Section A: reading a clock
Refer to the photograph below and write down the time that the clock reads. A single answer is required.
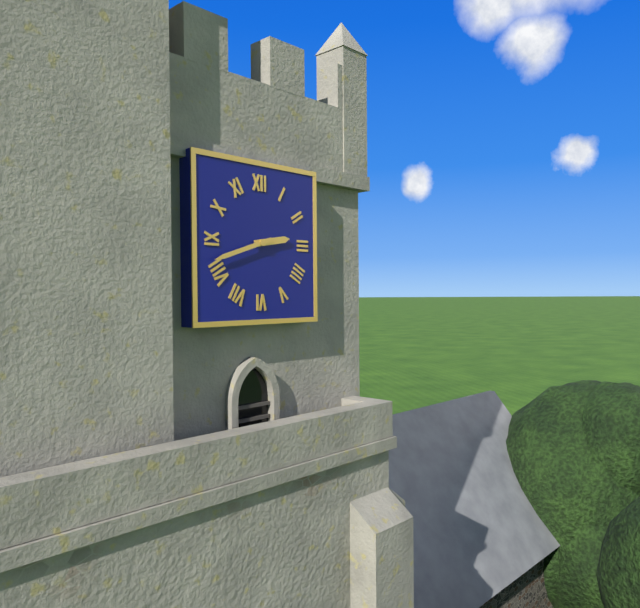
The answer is 2:42
